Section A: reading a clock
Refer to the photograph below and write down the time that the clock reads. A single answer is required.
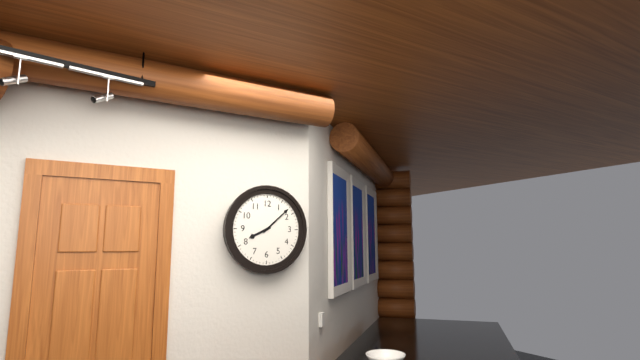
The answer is 8:08
